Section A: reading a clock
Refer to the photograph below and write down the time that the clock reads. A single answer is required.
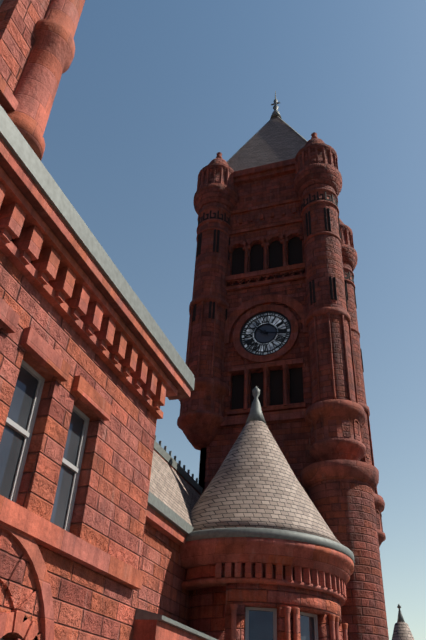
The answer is 10:17
